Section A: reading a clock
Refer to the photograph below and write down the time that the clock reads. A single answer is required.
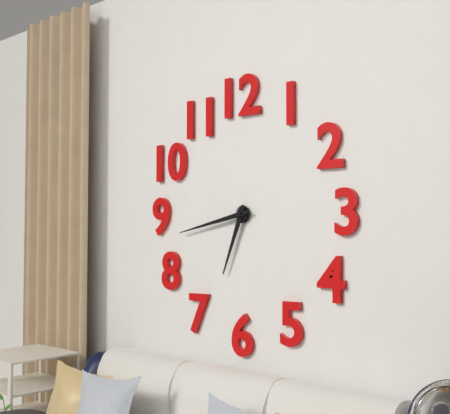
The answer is 6:43
